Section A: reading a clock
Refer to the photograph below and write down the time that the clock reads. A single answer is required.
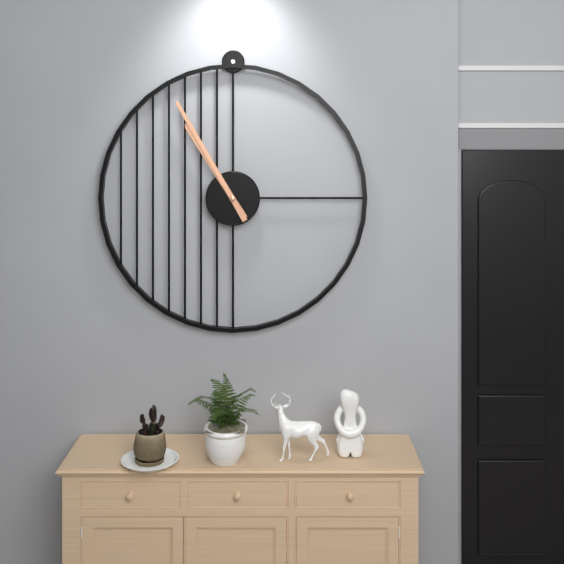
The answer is 10:55
